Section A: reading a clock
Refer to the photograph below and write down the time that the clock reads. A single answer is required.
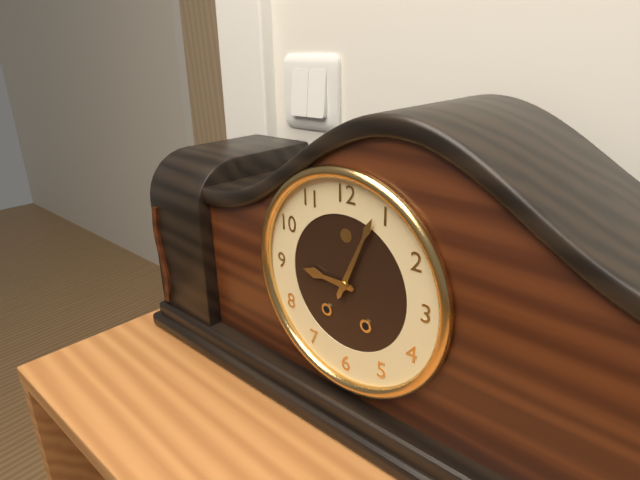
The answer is 9:04
